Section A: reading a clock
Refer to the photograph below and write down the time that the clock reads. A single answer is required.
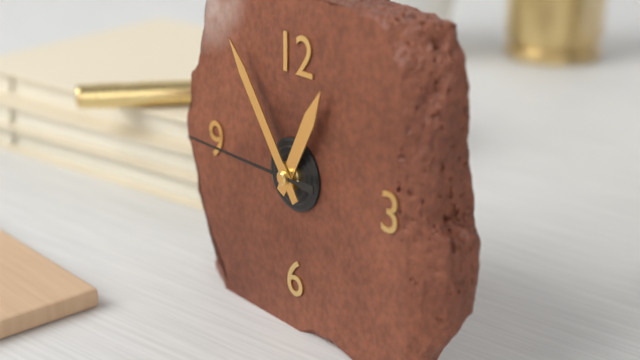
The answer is 12:54:45
